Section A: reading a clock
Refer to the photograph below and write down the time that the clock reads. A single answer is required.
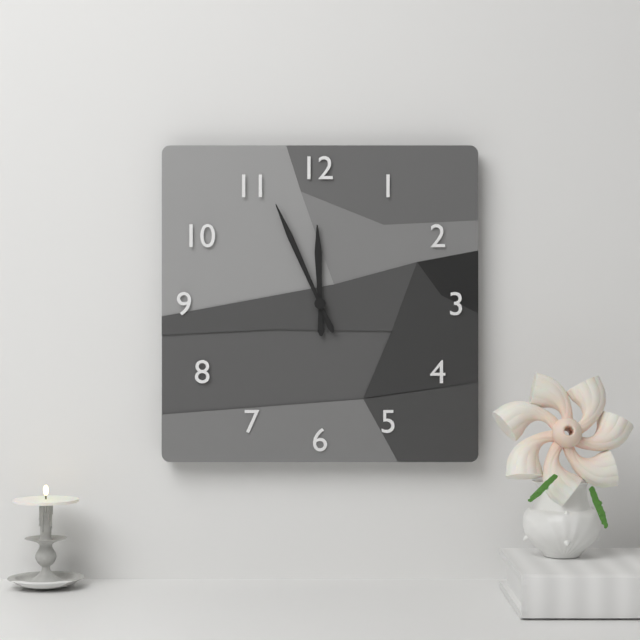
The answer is 11:56
